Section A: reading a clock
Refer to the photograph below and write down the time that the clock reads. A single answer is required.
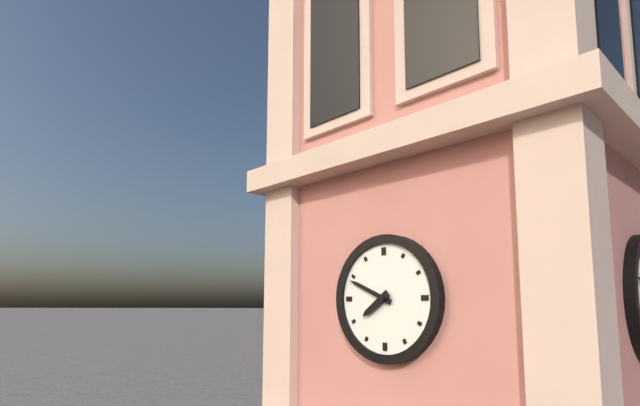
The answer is 7:49
